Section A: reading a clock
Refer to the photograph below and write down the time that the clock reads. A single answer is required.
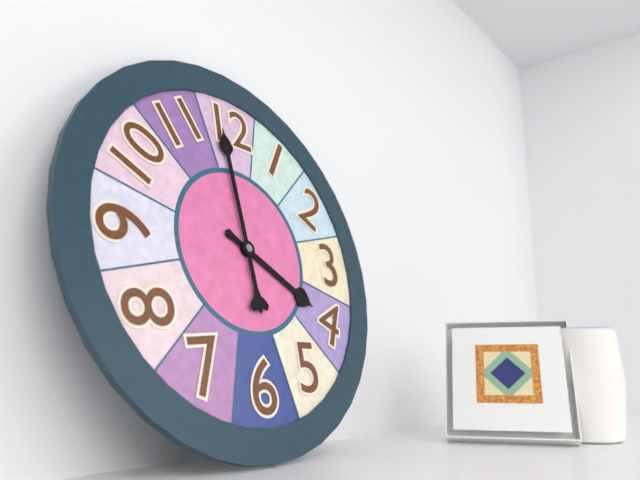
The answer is 3:59
